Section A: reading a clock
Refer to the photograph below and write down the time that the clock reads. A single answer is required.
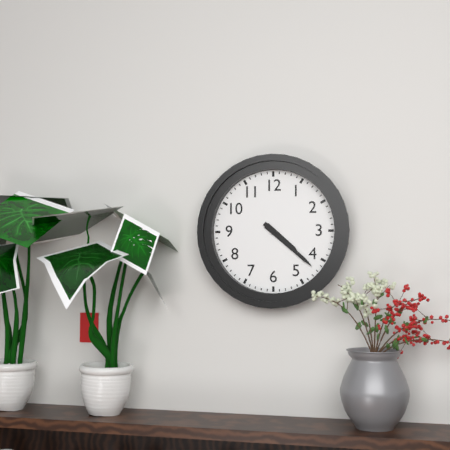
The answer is 4:22
